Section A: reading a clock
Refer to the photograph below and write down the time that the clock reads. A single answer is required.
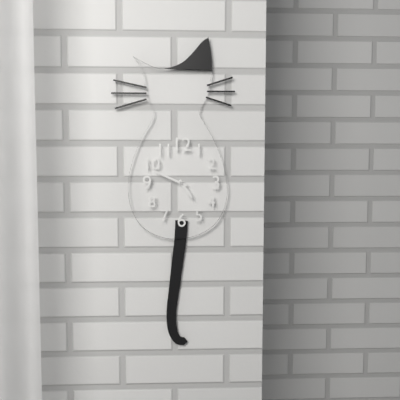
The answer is 4:49
